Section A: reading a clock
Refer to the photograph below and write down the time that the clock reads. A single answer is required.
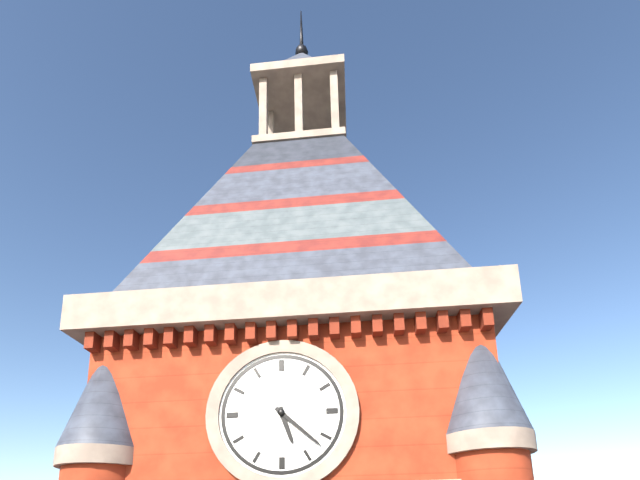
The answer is 5:22
